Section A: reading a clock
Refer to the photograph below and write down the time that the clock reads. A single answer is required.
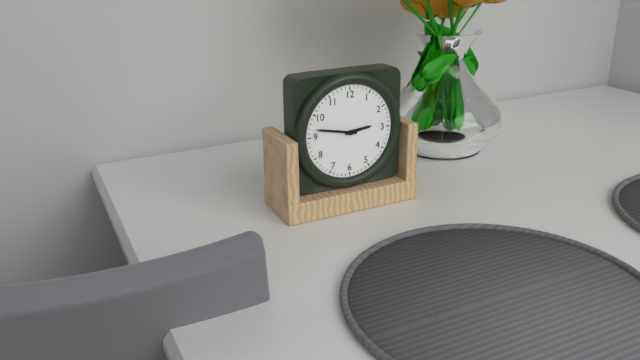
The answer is 2:47
